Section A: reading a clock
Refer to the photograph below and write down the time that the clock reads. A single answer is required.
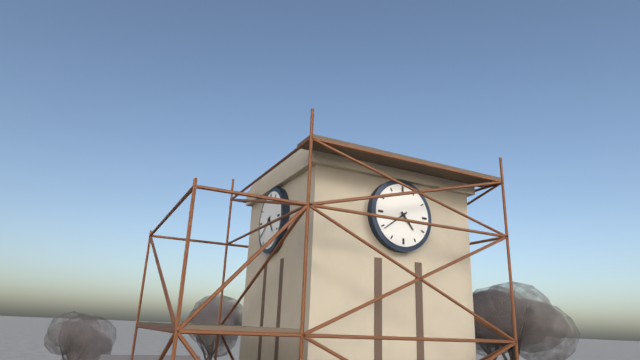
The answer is 4:39
